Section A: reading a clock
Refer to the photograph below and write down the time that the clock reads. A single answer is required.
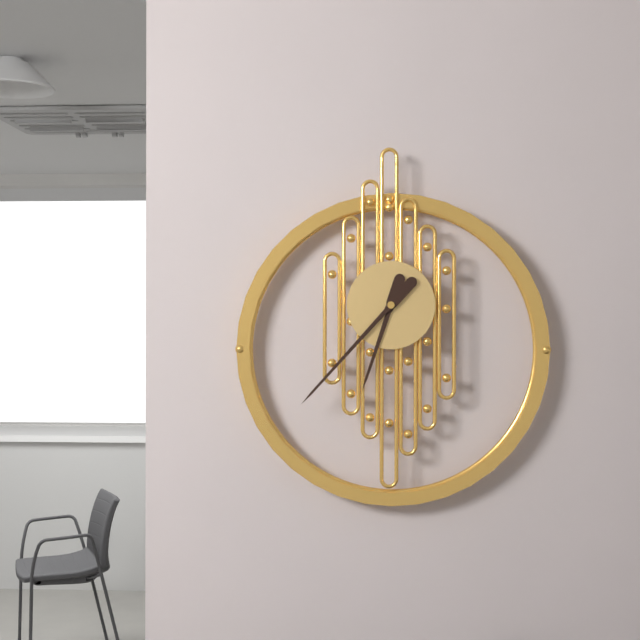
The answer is 6:37
